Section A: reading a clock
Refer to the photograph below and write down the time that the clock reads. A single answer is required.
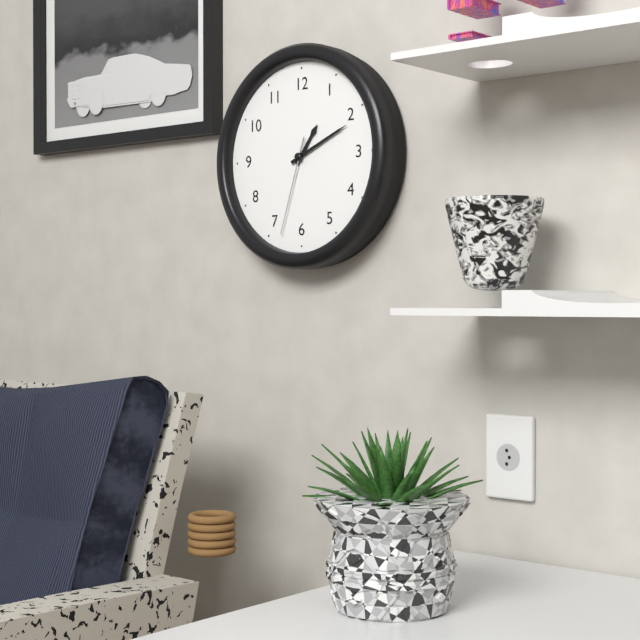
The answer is 1:11:33
